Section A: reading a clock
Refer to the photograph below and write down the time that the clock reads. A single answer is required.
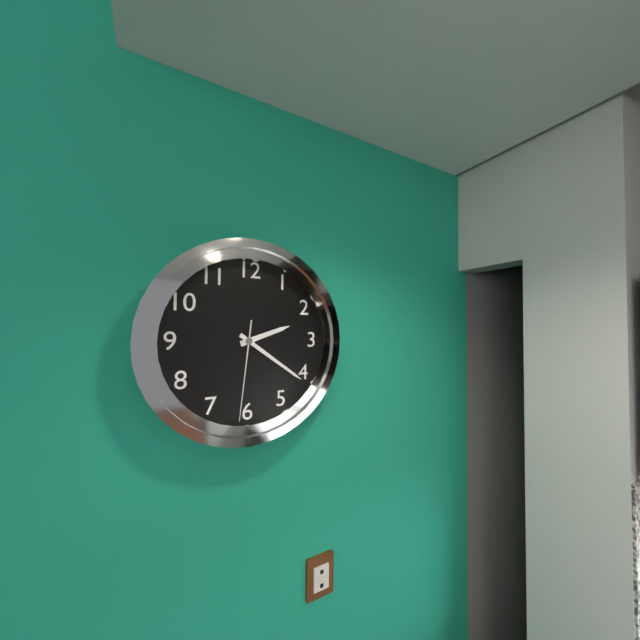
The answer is 2:21:31
